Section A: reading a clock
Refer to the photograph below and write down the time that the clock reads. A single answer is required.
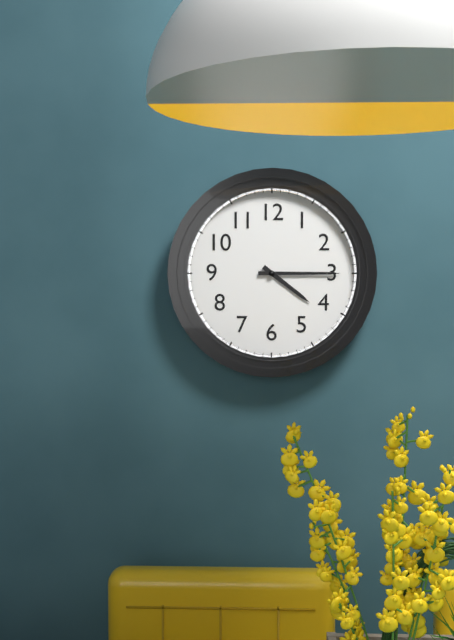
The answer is 4:15
